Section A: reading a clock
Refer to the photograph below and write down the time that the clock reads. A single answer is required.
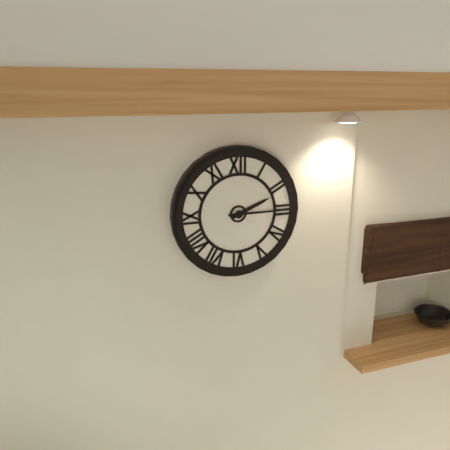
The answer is 2:15
